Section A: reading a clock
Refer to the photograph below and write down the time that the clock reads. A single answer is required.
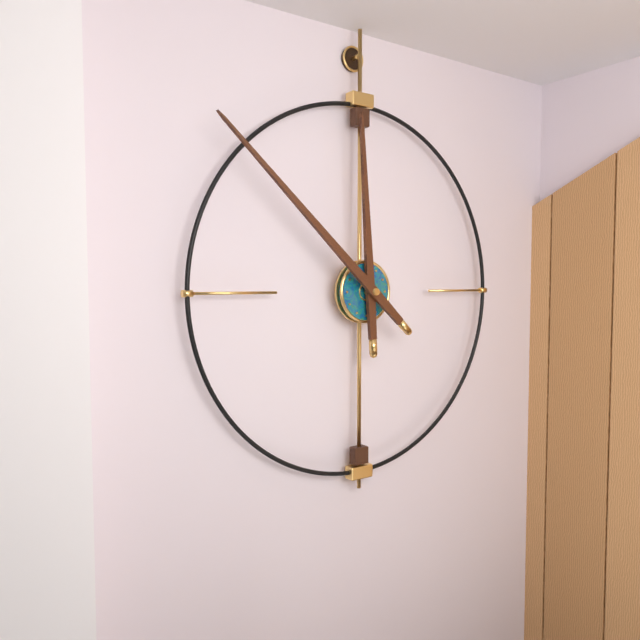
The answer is 11:52
